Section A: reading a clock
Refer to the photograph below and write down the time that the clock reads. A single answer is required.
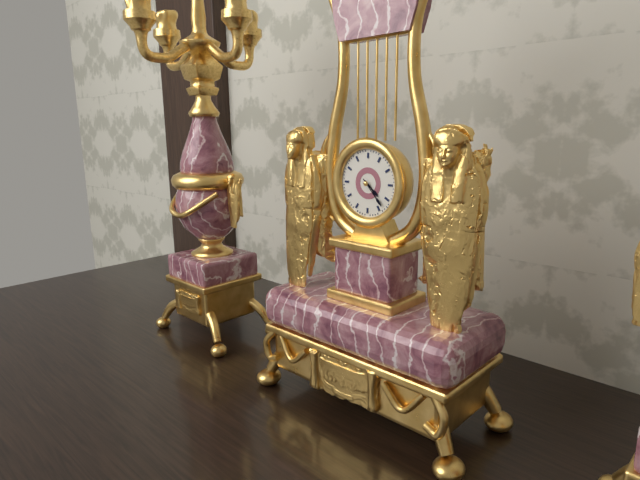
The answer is 4:23
